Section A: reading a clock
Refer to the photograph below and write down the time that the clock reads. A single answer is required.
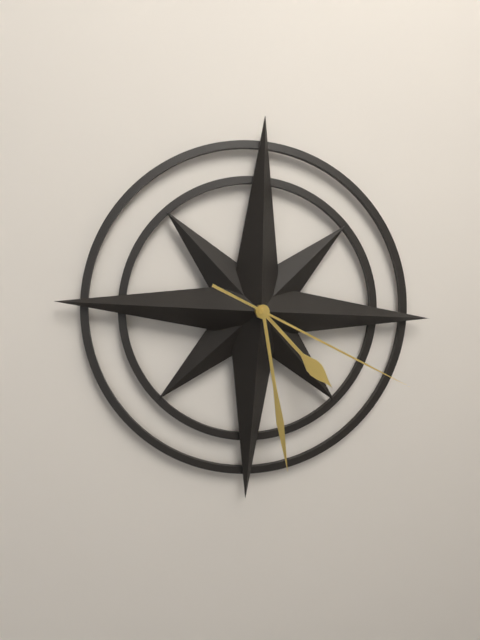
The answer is 4:28:19
